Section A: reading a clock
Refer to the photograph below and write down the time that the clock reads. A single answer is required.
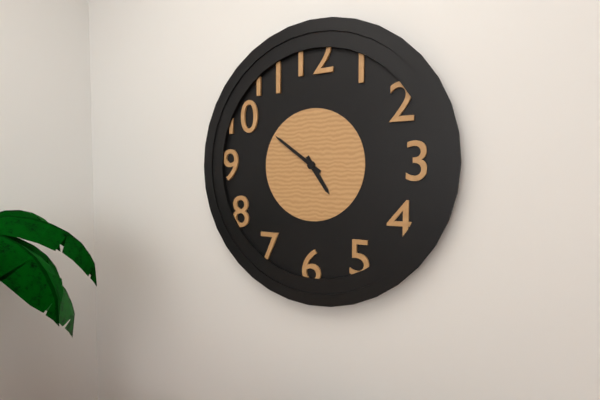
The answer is 4:51
